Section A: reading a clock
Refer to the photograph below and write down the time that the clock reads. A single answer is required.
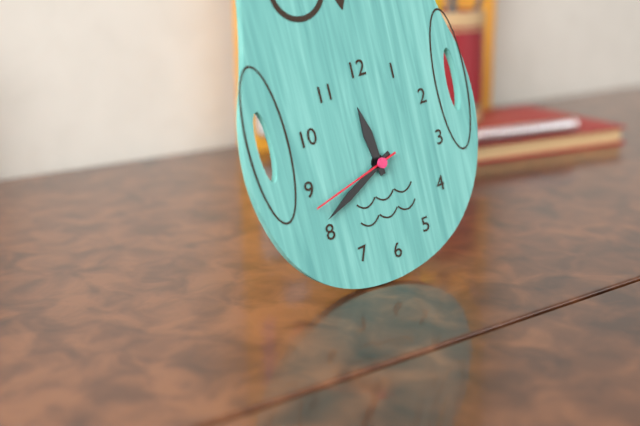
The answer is 11:41:43
